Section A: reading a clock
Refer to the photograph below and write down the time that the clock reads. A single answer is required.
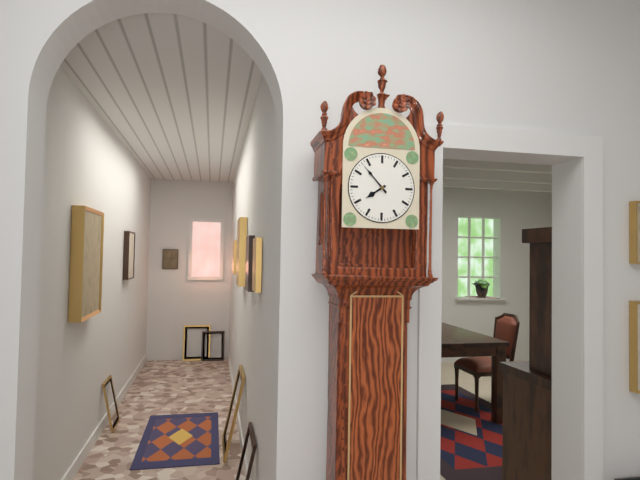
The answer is 7:53
